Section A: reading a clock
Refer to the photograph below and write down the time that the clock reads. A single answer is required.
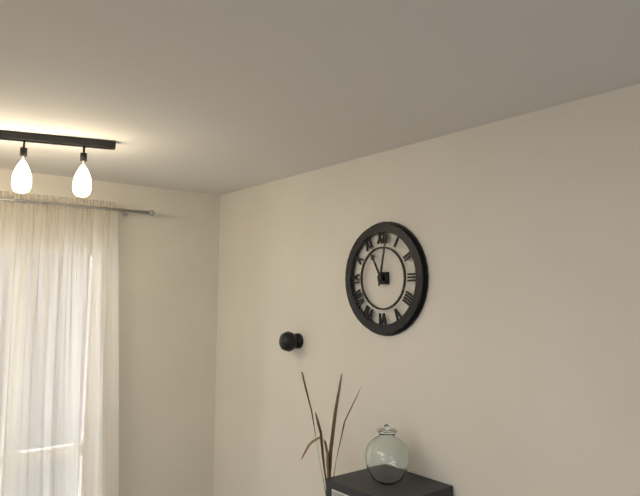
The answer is 11:02
